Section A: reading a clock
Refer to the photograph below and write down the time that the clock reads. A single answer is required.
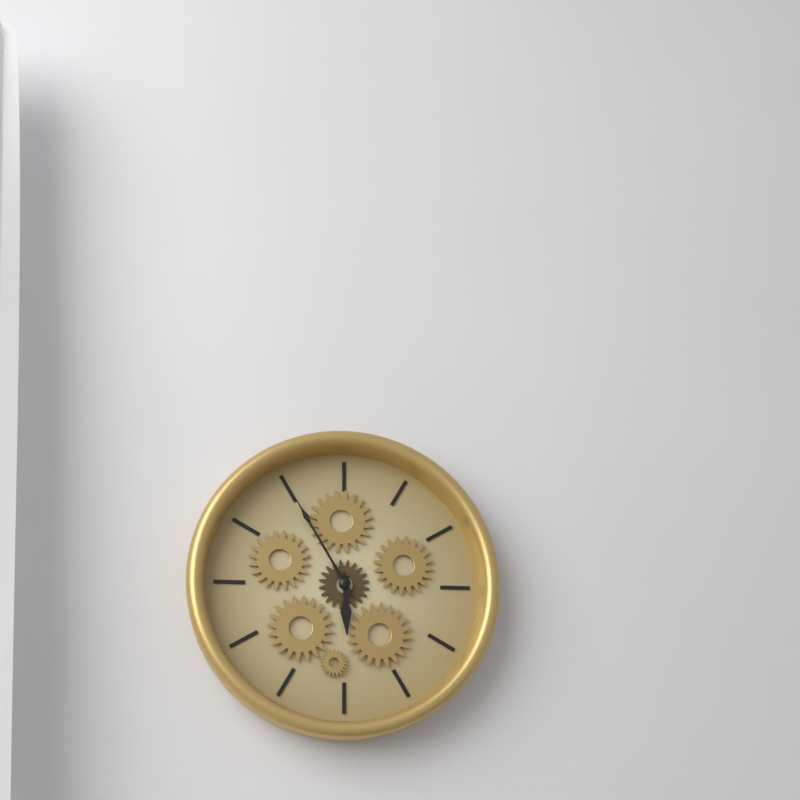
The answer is 5:55
